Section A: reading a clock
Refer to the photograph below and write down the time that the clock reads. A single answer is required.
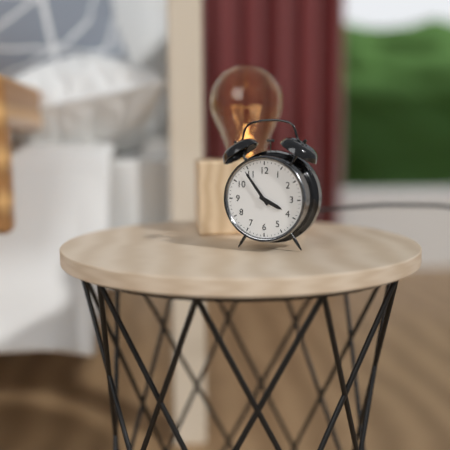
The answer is 3:54
